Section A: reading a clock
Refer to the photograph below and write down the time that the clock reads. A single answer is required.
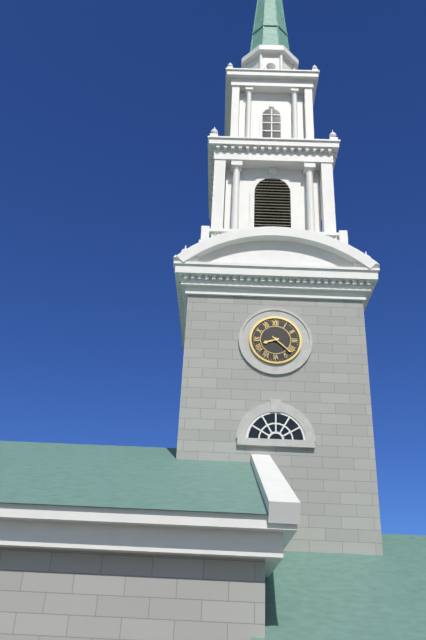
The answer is 8:22
